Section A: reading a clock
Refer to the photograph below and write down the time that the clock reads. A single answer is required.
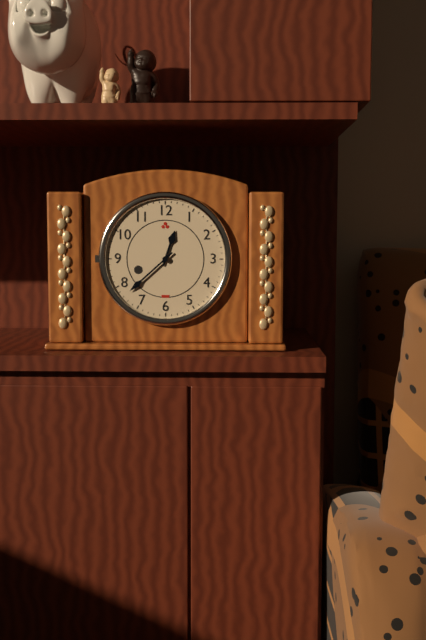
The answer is 12:38
